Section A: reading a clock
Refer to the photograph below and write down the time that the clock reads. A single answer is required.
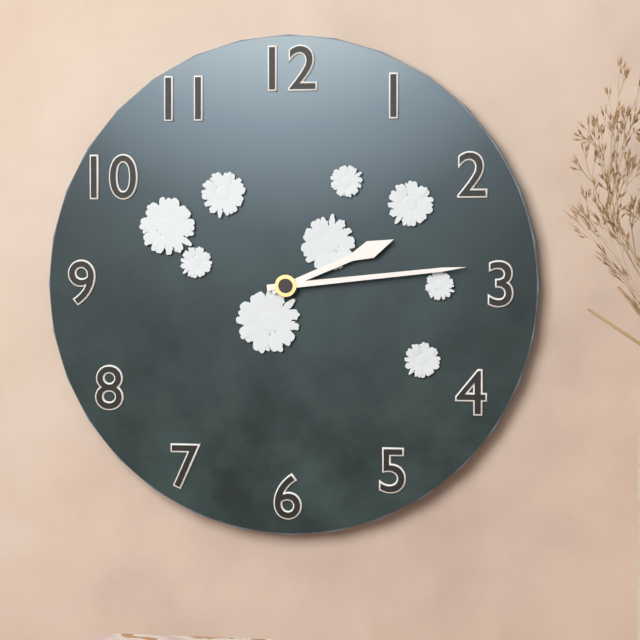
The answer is 2:14
